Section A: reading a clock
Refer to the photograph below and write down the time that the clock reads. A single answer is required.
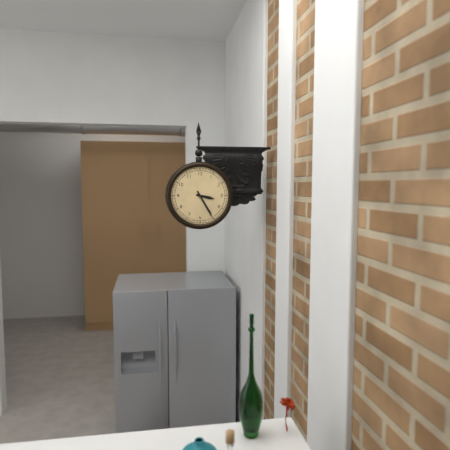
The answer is 3:25
